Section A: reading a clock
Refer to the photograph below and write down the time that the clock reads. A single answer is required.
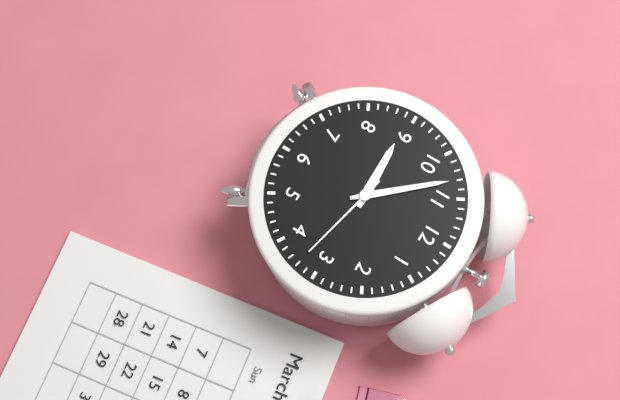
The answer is 8:53:17
